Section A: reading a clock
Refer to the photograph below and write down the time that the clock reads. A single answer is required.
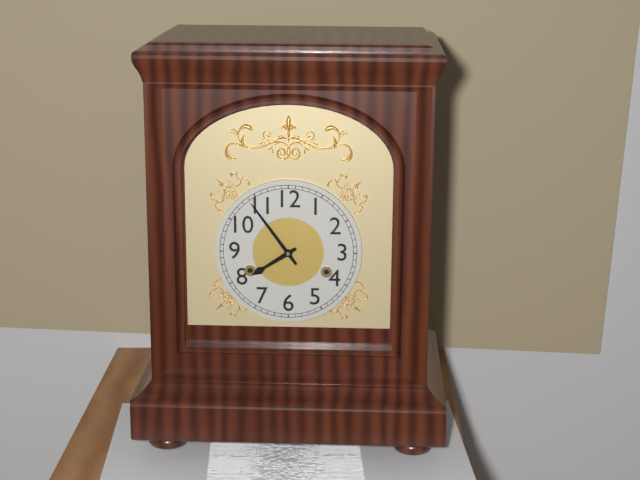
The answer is 7:54
